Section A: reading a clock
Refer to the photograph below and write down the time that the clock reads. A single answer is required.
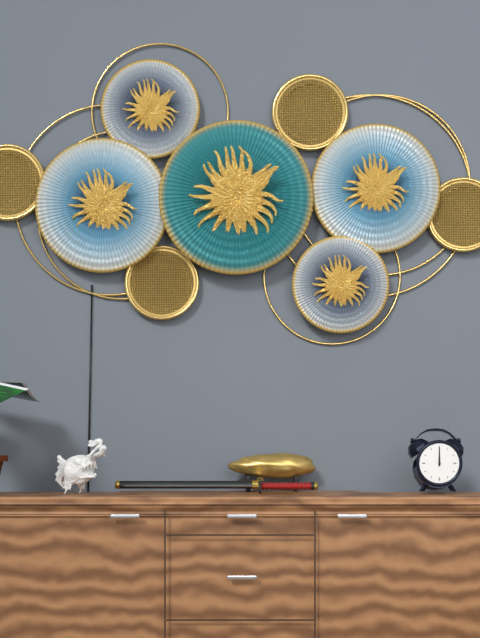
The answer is 12:00
